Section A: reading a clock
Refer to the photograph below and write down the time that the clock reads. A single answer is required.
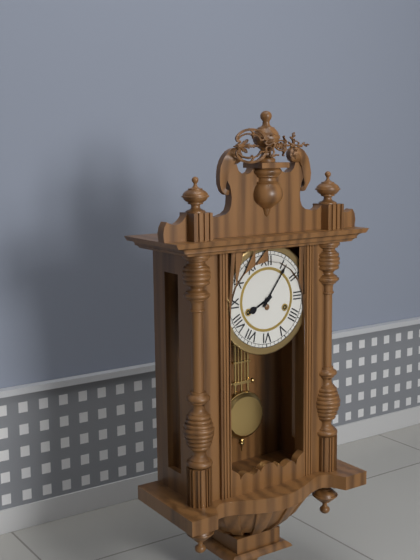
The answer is 8:06
